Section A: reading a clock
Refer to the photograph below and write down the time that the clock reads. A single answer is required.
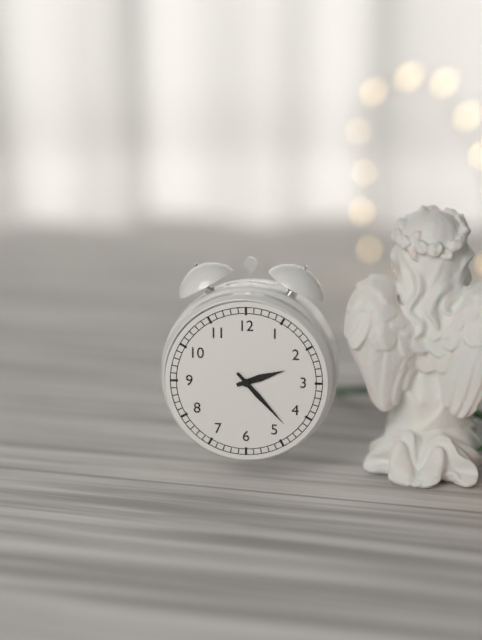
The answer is 2:23
